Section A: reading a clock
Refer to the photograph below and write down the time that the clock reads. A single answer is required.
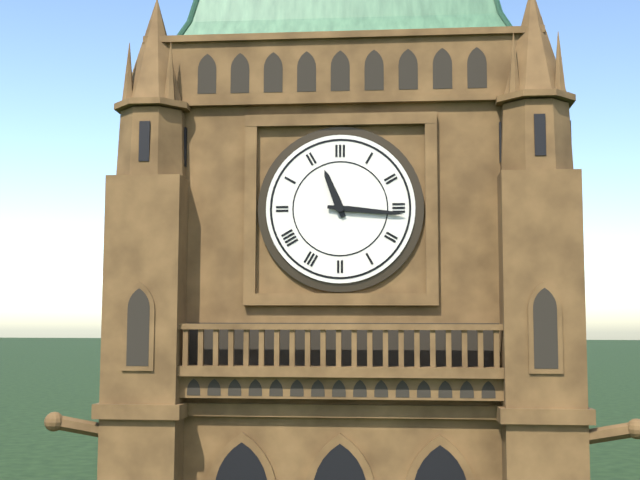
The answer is 11:16
